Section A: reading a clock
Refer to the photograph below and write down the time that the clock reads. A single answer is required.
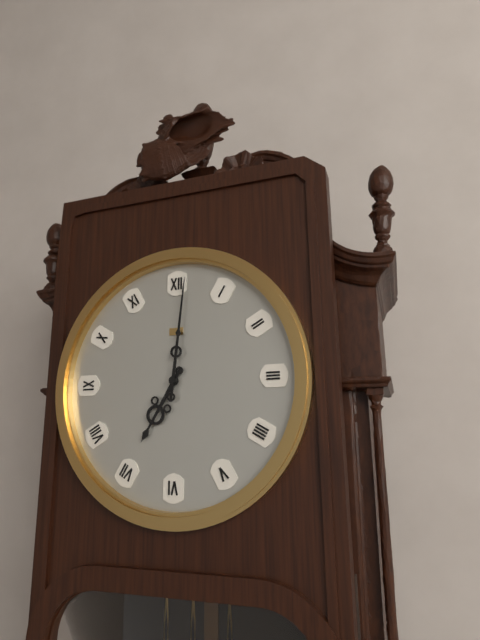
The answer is 7:01
